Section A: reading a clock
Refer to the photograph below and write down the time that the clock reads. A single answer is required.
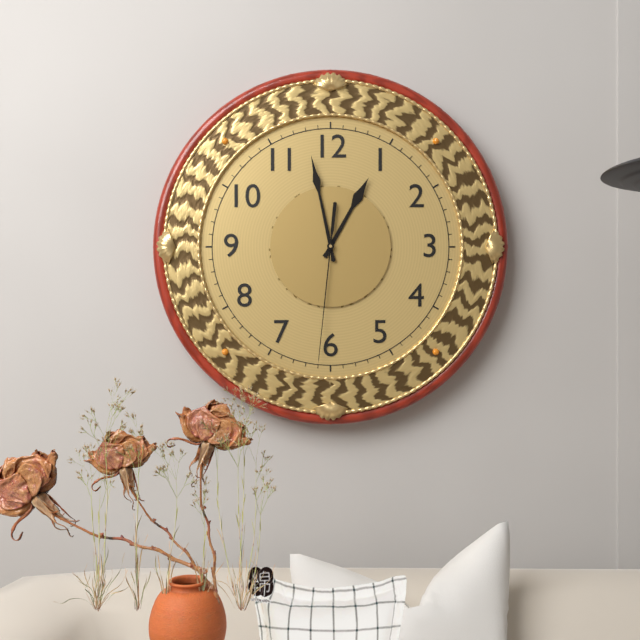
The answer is 12:58:31
